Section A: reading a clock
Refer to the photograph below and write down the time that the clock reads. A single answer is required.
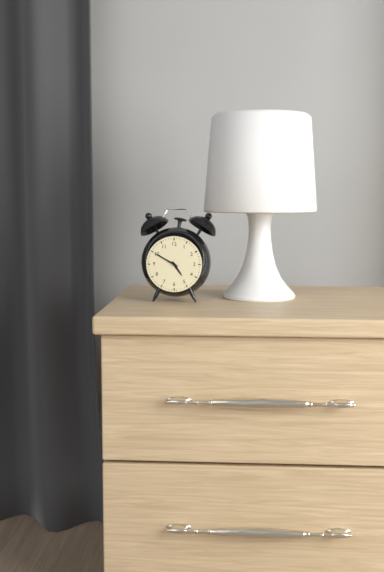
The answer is 4:50
